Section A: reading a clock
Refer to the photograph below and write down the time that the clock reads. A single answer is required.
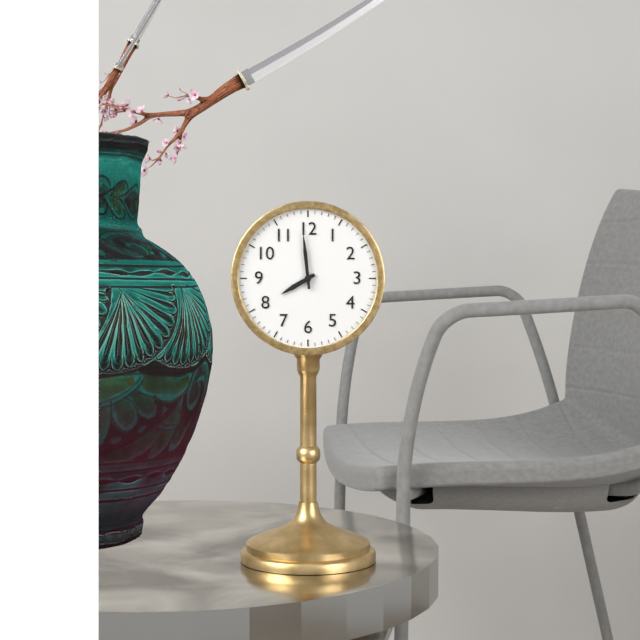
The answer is 7:59
